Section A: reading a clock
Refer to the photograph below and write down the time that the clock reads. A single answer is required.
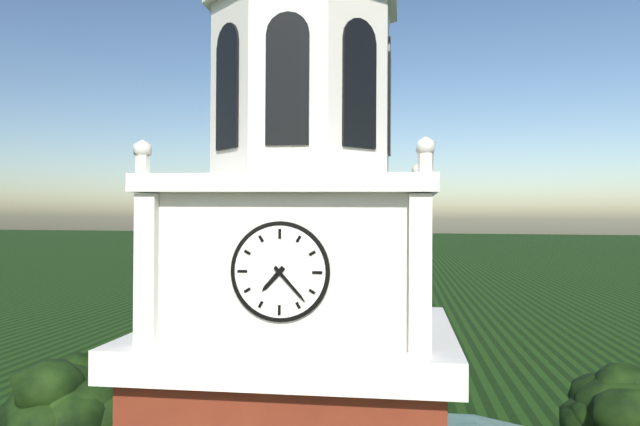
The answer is 7:23
